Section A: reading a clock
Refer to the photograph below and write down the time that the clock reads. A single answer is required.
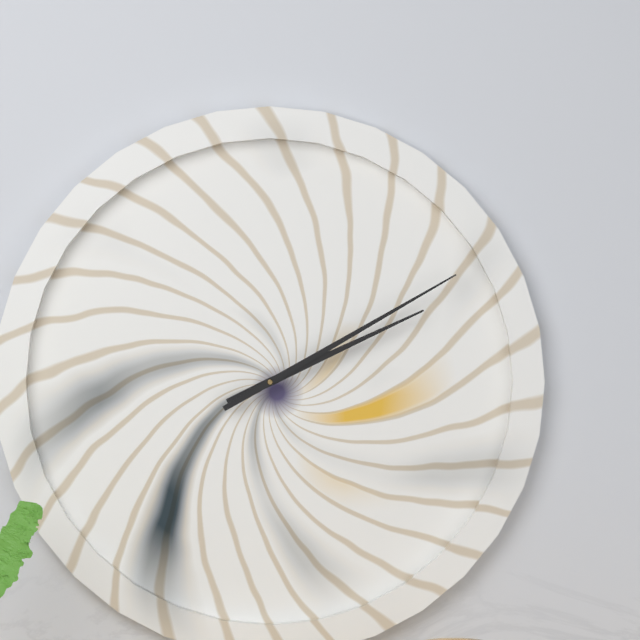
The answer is 2:10
